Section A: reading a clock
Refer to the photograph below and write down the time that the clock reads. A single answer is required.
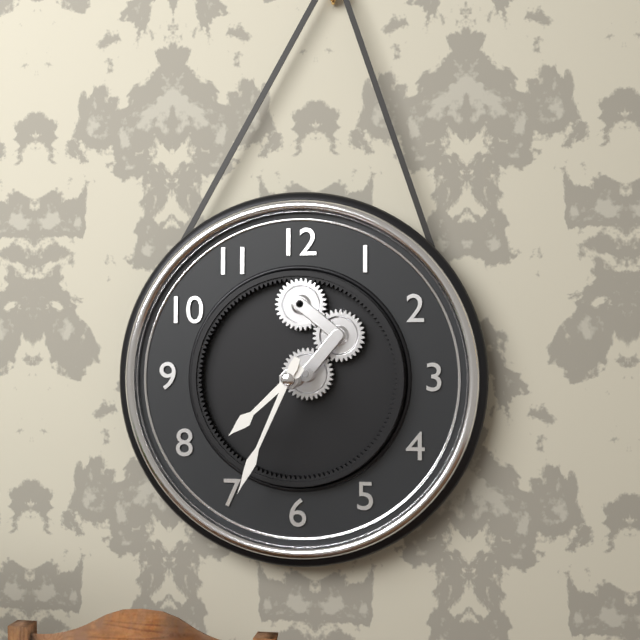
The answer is 7:34
